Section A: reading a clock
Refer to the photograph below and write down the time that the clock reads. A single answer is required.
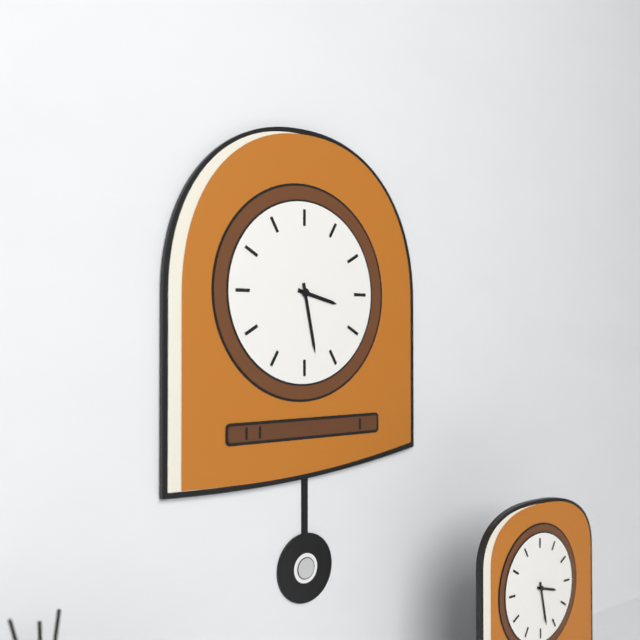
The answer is 3:28
